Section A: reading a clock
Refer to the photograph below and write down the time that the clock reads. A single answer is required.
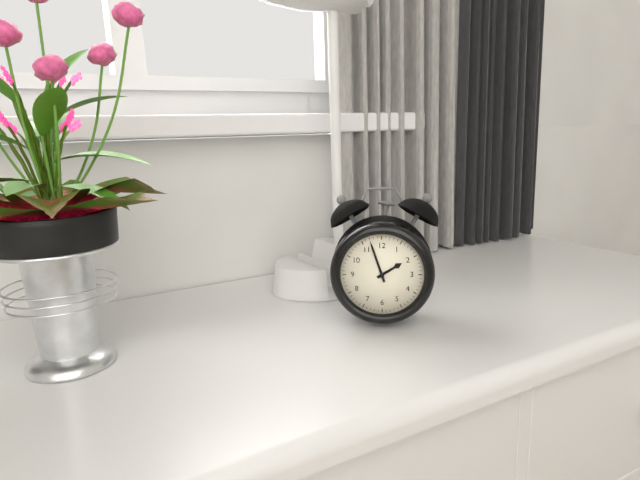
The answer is 1:57
